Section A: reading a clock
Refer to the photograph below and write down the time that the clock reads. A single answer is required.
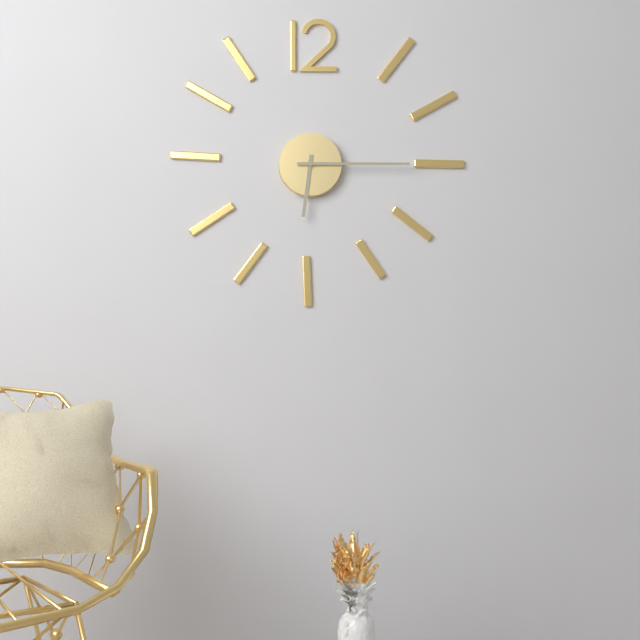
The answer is 6:15
